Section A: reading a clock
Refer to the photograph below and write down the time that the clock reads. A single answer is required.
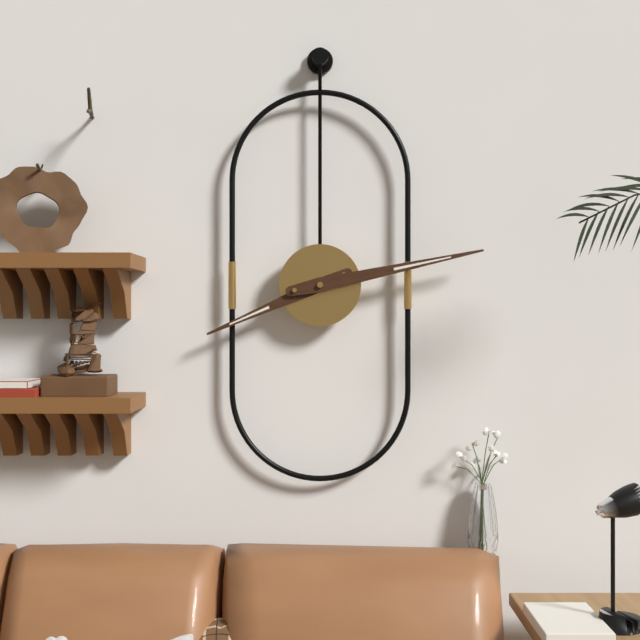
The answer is 8:13
